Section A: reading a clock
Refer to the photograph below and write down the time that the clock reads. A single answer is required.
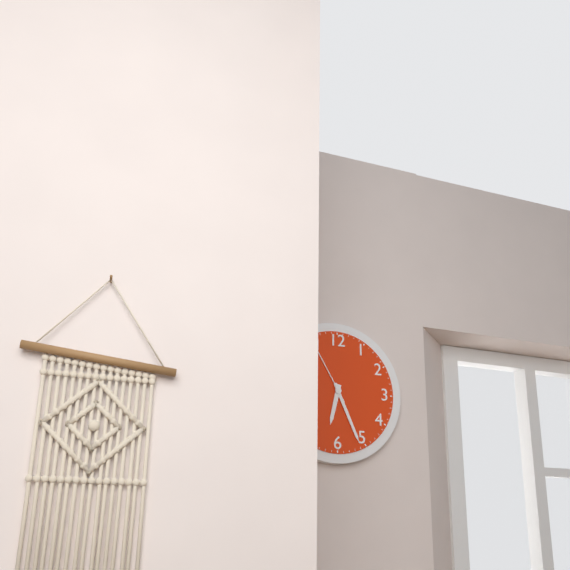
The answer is 6:26:55
